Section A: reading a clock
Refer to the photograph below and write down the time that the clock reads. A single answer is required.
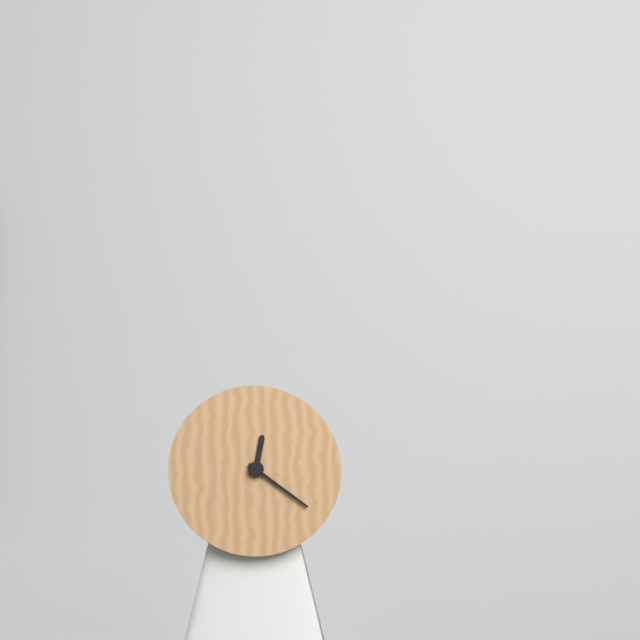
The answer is 12:21
